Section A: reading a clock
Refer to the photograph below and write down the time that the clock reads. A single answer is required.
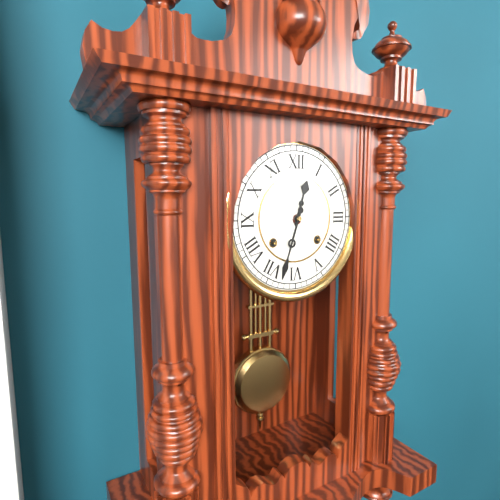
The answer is 12:33
